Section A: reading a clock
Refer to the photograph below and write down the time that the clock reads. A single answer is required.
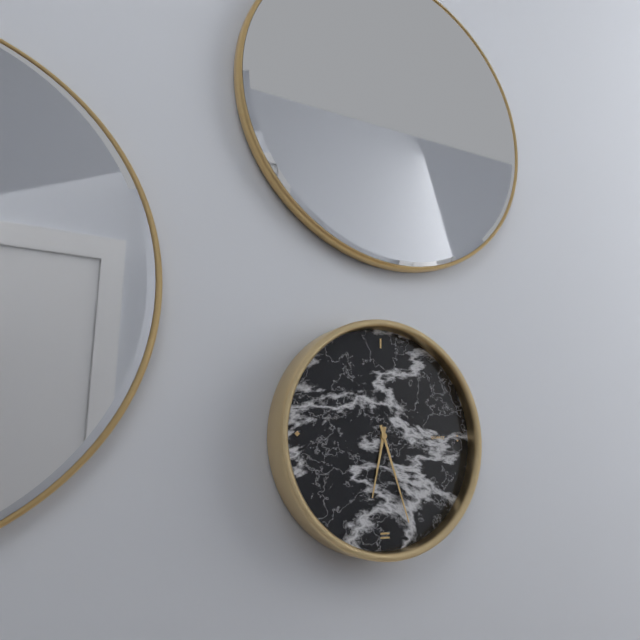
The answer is 6:27
